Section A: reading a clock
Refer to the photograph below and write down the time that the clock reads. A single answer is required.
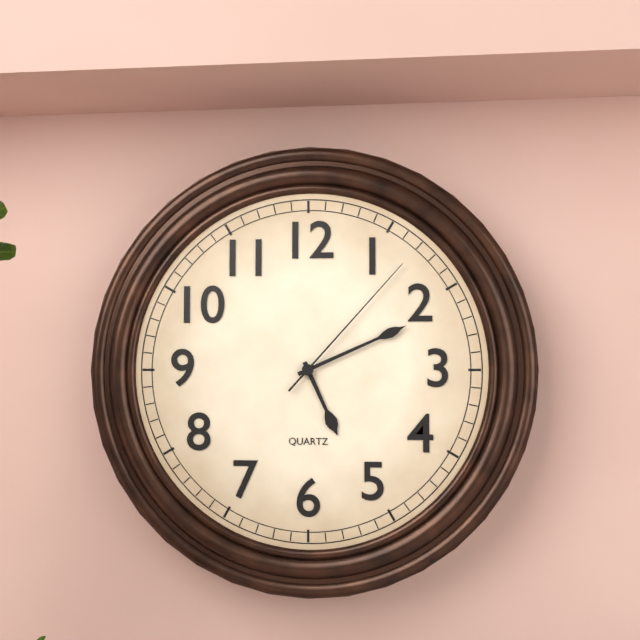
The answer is 5:11:07
